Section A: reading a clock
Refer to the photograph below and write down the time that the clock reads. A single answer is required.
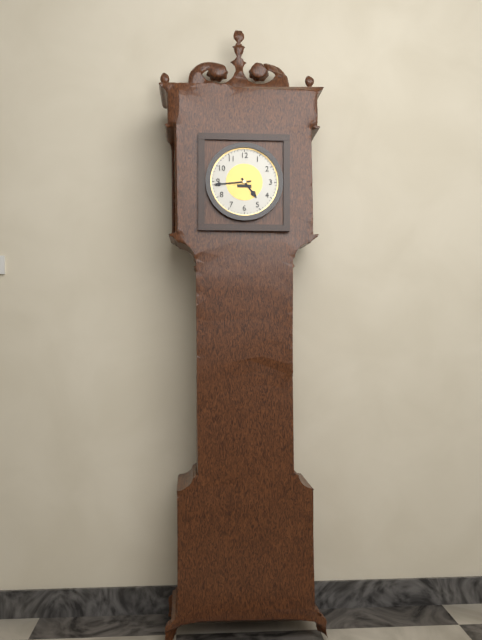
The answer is 4:44
